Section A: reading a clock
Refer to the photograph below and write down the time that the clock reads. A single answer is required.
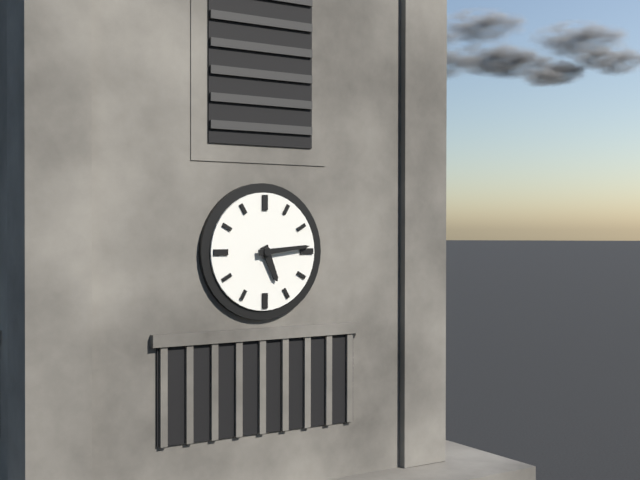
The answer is 5:14
